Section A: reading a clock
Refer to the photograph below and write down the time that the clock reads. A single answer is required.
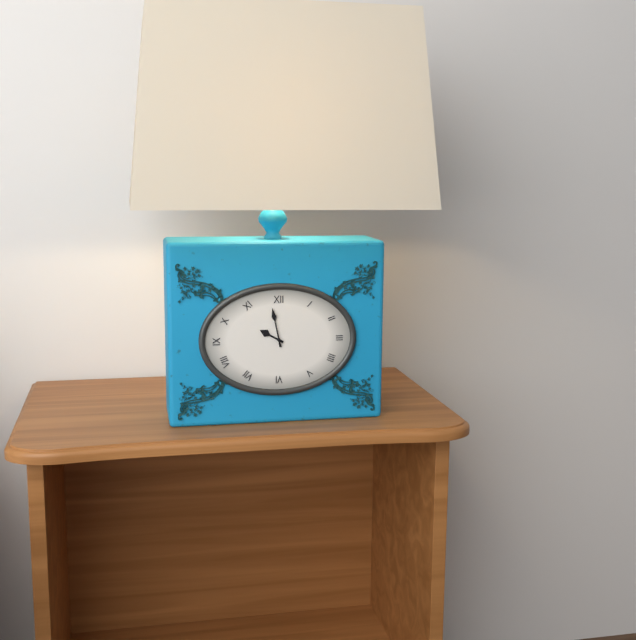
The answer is 9:58
